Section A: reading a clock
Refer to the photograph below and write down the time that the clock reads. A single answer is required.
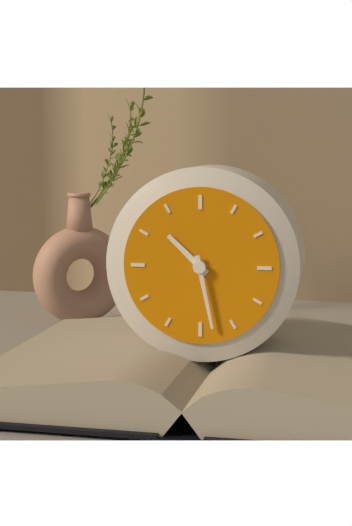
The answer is 10:28
